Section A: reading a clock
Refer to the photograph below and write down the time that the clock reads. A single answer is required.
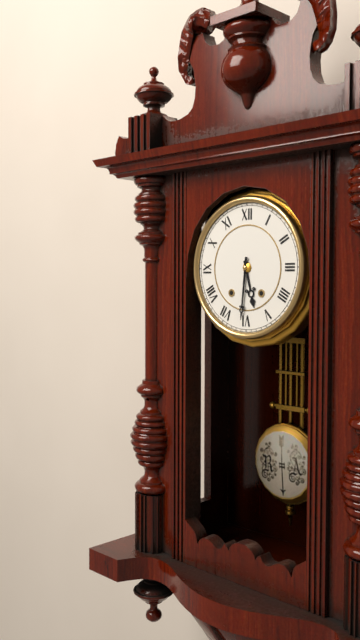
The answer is 5:31
